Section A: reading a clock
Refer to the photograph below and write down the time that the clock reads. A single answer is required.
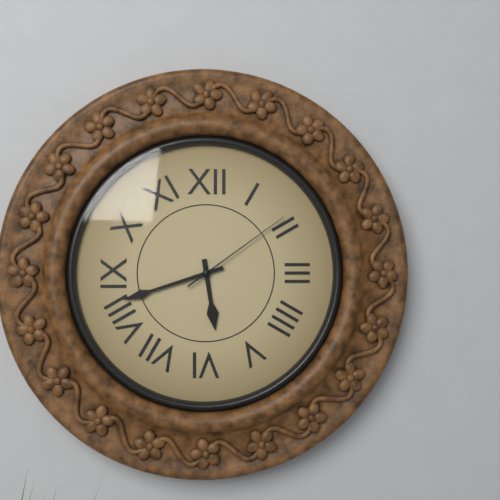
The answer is 5:42:09
